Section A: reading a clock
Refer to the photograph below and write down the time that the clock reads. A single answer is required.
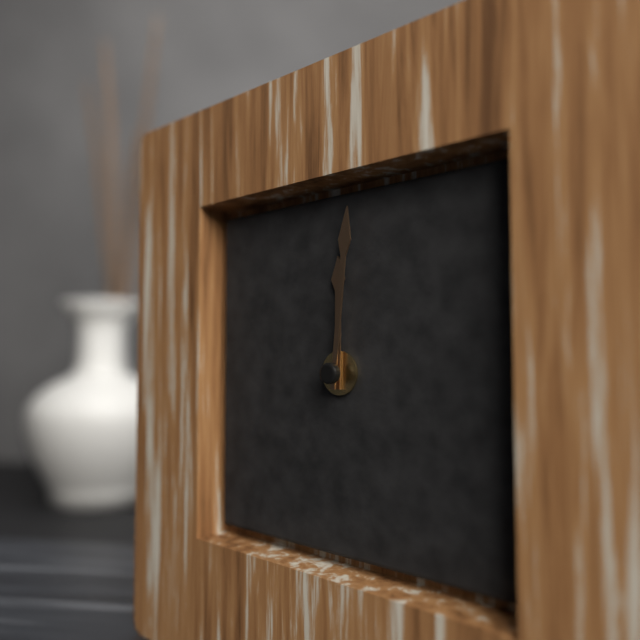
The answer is 12:01
